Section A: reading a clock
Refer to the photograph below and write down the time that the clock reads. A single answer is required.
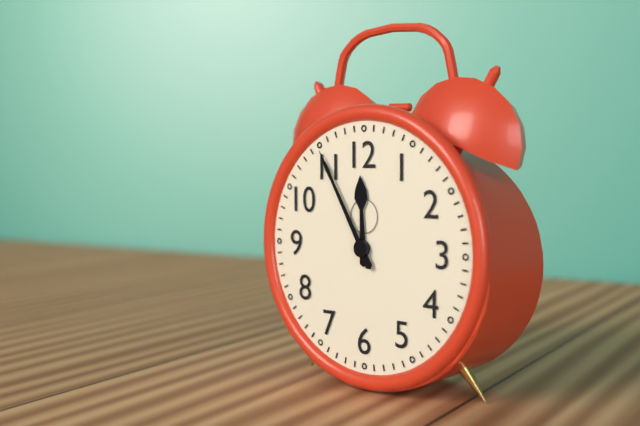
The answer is 11:55
